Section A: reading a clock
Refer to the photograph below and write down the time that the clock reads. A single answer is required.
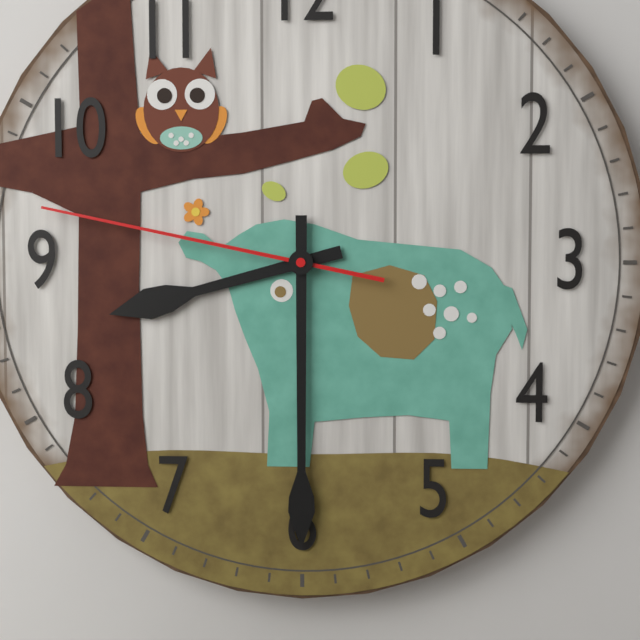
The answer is 8:30:47
